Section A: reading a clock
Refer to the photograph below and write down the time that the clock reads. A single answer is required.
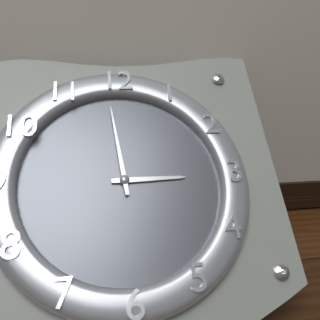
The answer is 2:59
